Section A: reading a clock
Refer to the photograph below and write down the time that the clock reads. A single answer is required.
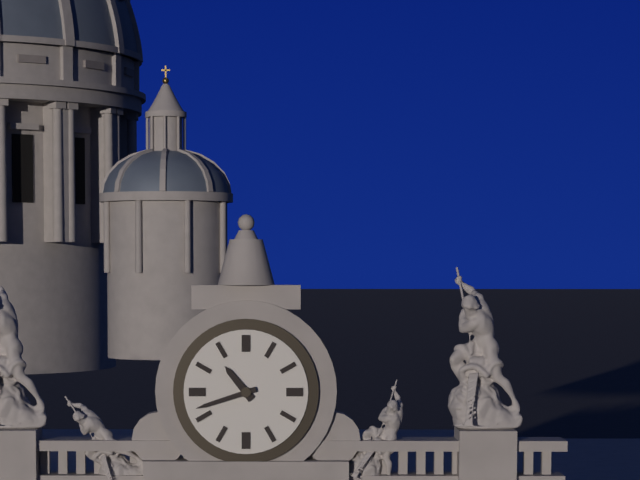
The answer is 10:42
